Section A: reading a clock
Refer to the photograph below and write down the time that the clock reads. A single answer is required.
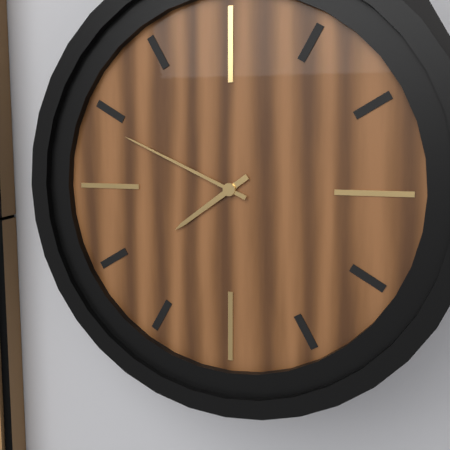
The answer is 7:49
